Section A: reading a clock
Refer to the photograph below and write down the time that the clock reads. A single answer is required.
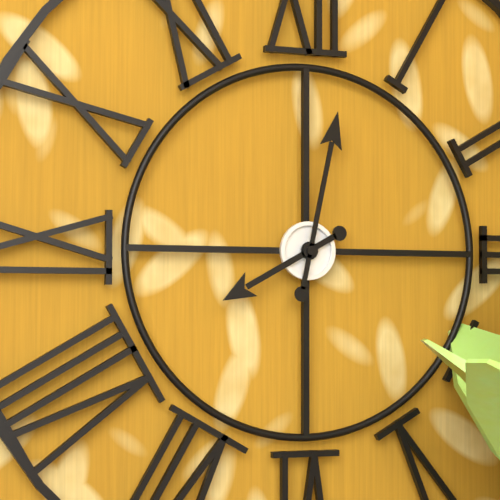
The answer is 8:02
